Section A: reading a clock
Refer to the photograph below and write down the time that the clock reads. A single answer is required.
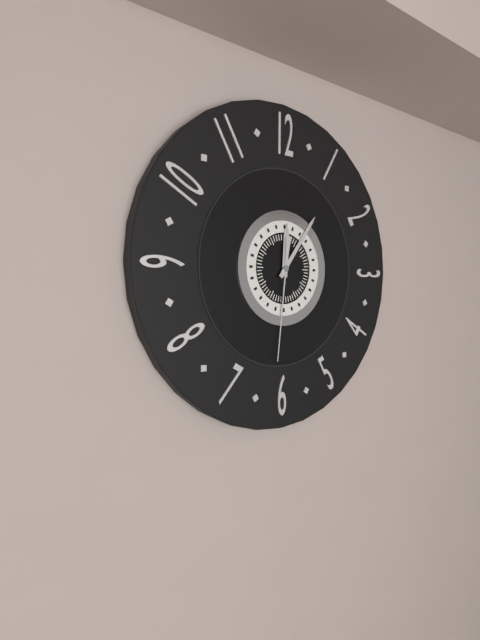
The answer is 12:06:31
